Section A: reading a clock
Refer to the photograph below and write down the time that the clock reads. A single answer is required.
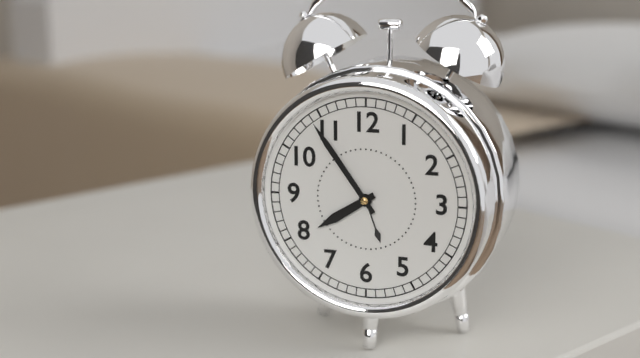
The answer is 7:54
